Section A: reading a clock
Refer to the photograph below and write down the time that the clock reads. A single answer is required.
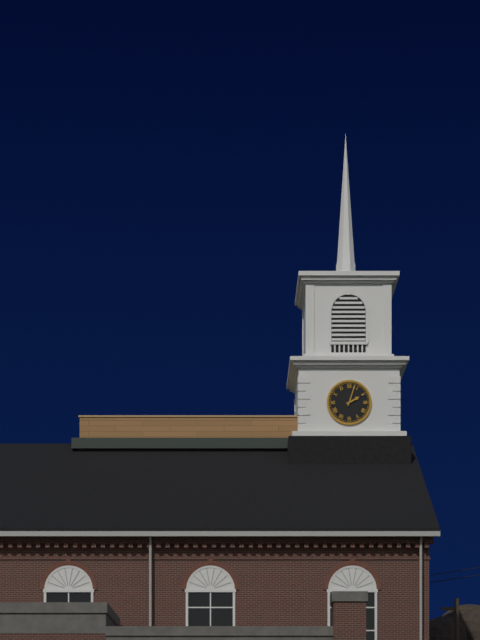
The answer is 2:03
